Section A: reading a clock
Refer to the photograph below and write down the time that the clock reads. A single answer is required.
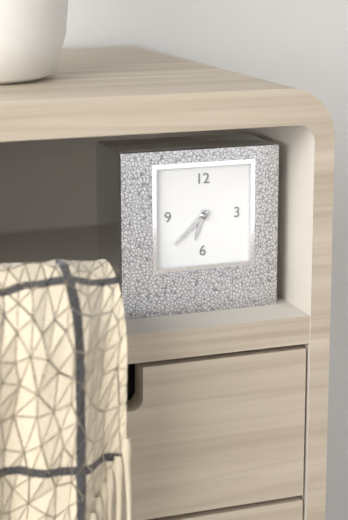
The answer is 6:38
